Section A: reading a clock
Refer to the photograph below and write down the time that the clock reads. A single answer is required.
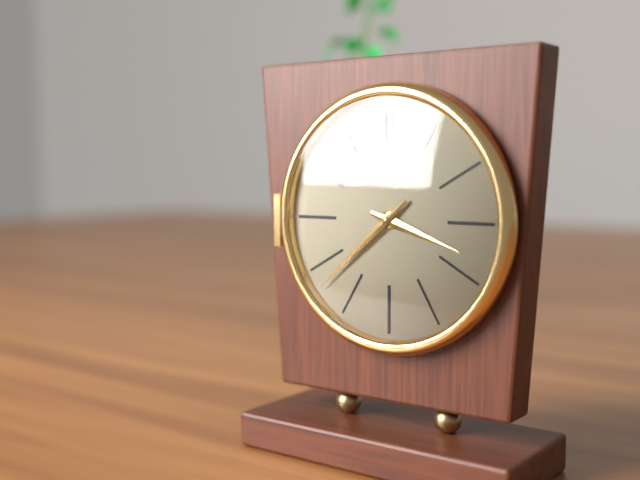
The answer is 3:38
